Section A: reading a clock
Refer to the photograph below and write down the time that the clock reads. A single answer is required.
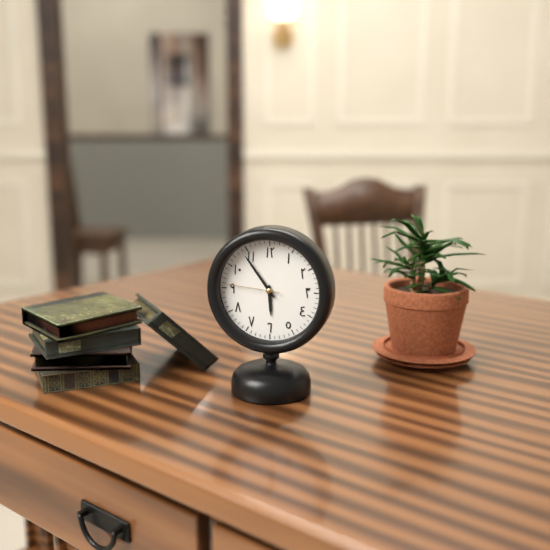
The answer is 5:54:46
